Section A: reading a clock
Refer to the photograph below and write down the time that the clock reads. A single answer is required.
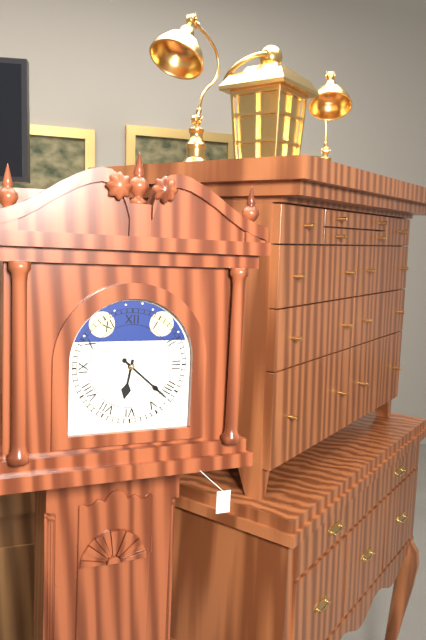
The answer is 6:22
